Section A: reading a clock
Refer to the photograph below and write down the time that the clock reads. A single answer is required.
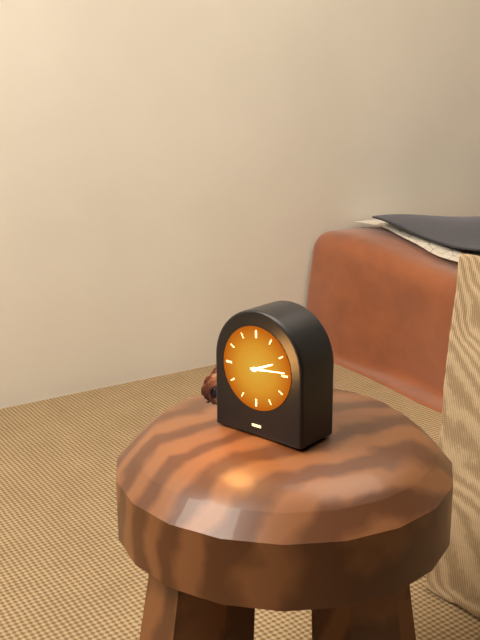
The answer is 2:14
